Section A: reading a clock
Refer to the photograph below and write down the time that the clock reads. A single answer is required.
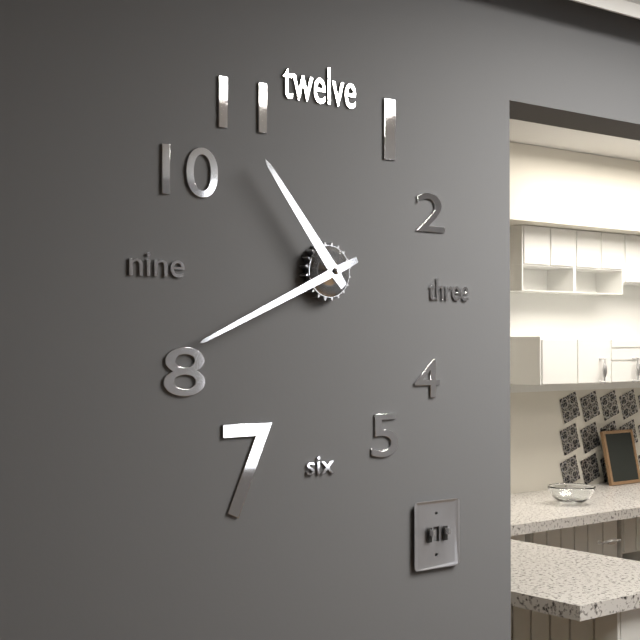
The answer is 10:41
